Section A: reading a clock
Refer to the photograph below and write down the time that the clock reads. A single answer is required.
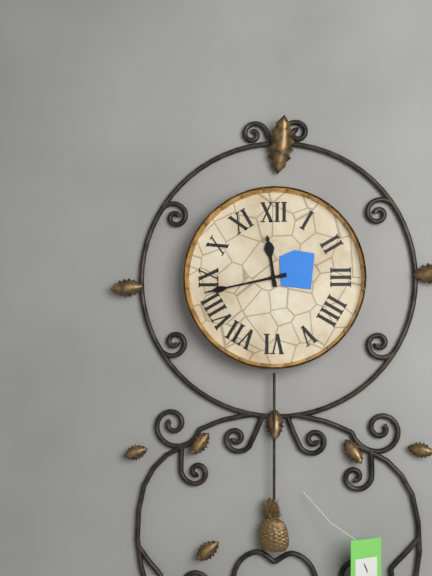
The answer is 11:43
